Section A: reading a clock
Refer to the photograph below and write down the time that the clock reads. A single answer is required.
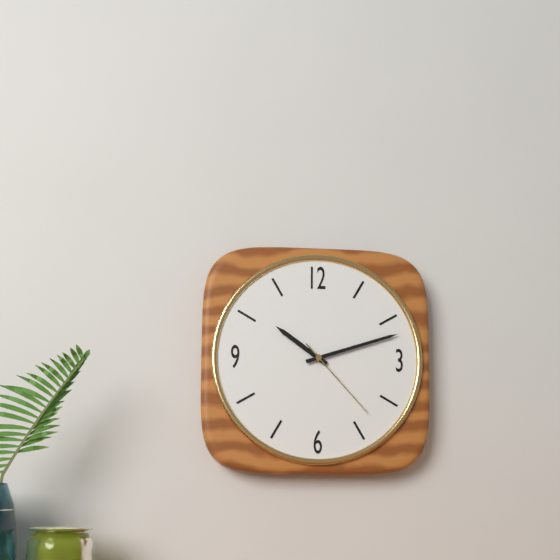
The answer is 10:12:23
